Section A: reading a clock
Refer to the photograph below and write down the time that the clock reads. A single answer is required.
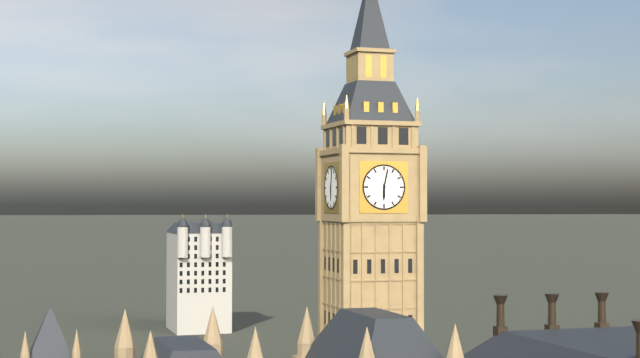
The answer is 6:02
